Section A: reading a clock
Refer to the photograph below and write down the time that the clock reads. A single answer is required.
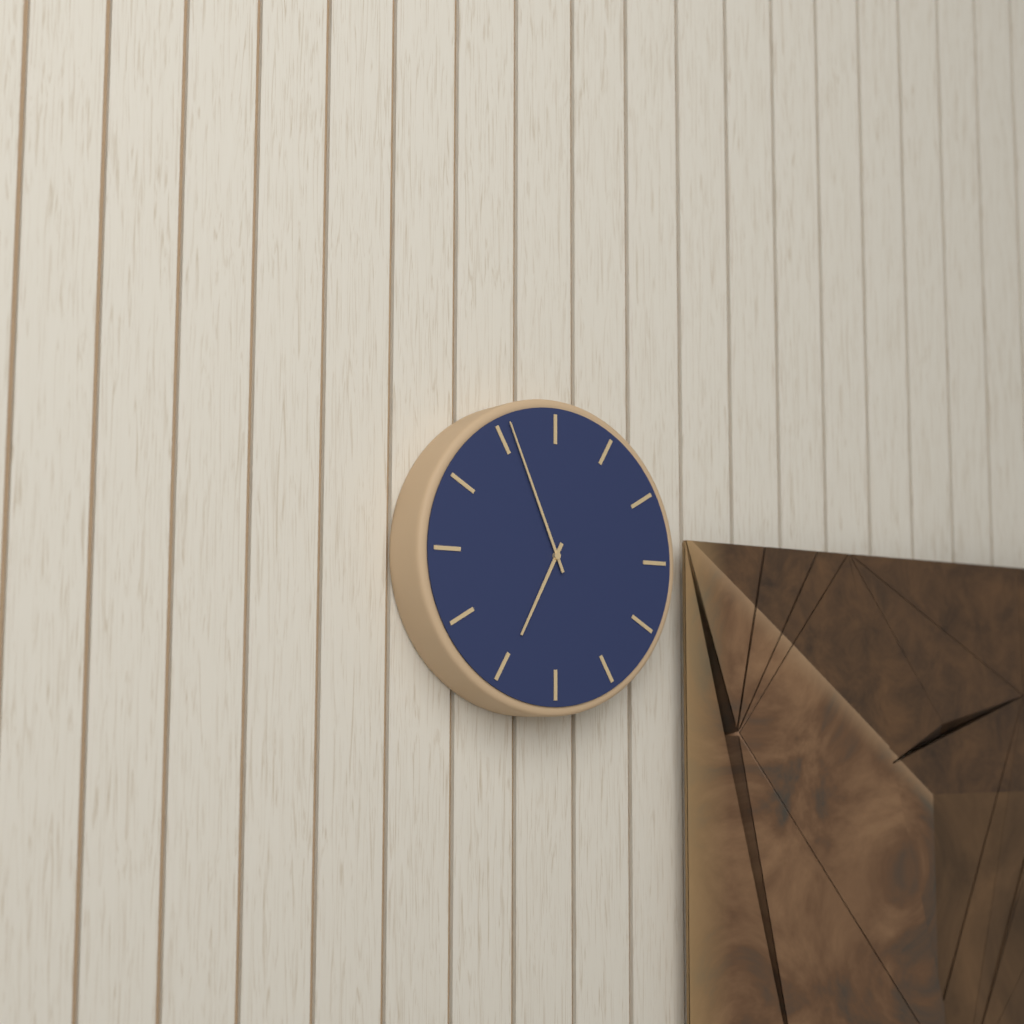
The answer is 6:56
